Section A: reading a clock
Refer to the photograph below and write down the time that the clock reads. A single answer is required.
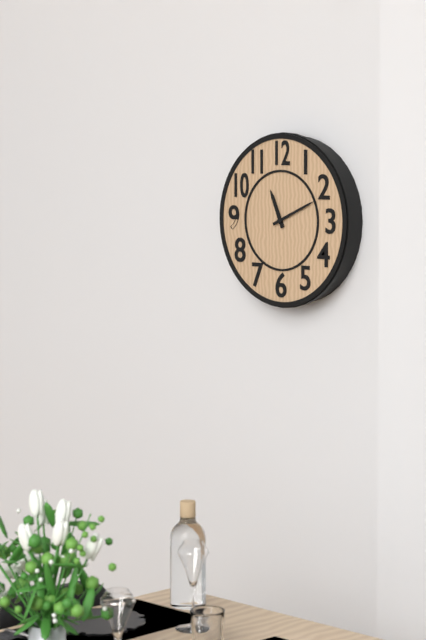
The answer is 11:11
